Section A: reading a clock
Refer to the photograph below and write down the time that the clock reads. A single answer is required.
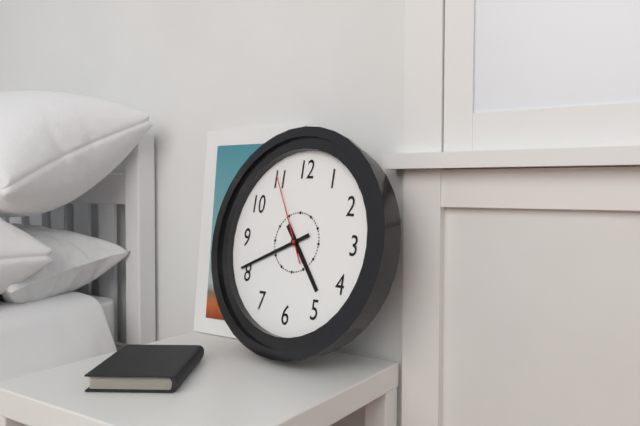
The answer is 4:41:55
